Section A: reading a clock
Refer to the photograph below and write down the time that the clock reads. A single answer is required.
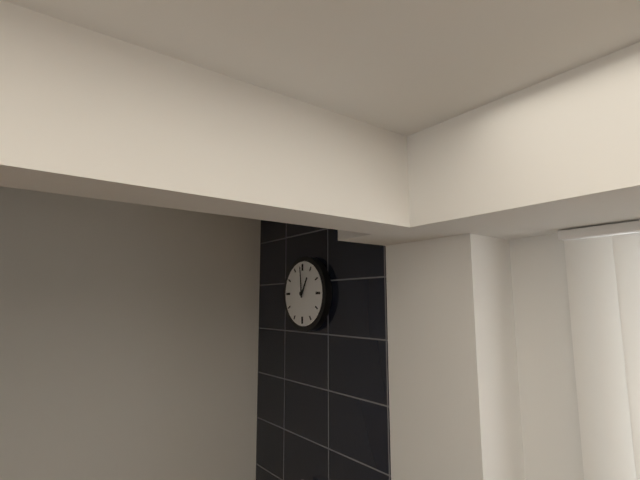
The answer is 12:59
